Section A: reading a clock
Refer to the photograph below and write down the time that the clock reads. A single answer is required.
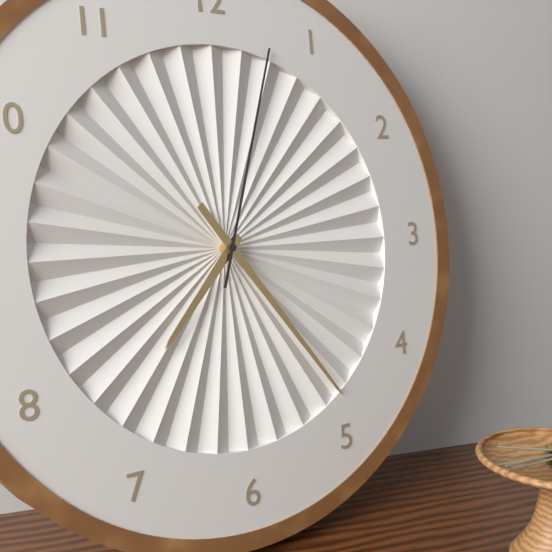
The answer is 7:24:03
